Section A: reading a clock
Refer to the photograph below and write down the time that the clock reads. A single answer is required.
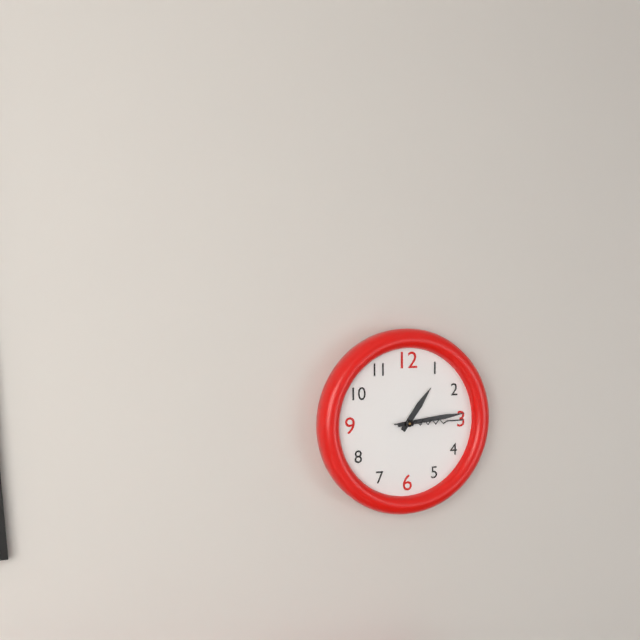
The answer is 1:14:15
